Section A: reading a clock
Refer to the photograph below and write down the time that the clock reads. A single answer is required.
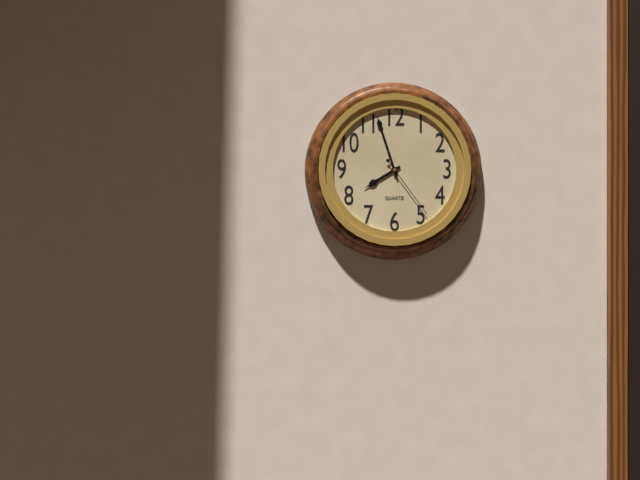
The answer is 7:57:24
